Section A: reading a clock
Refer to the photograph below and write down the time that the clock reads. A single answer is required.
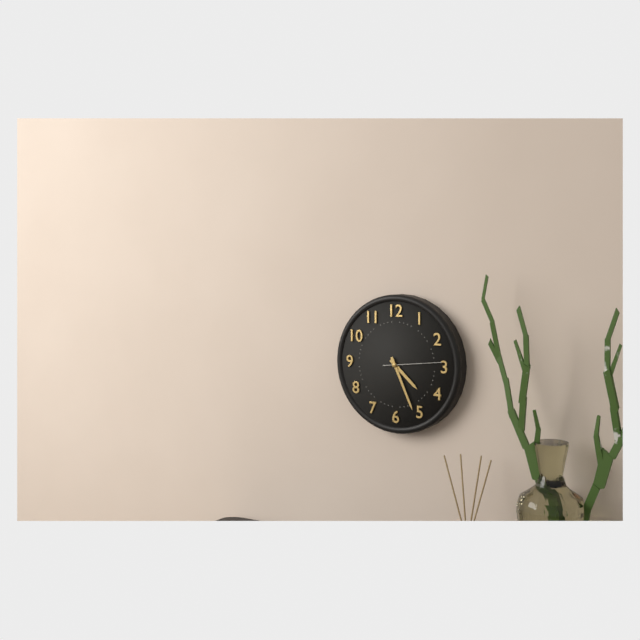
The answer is 4:26
